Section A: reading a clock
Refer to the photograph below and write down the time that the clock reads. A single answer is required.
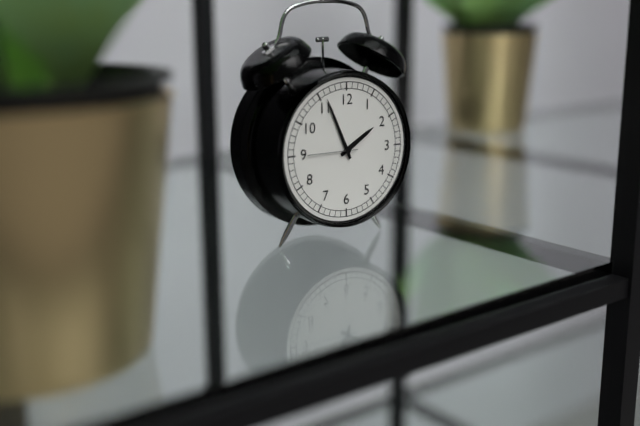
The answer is 1:56:45
